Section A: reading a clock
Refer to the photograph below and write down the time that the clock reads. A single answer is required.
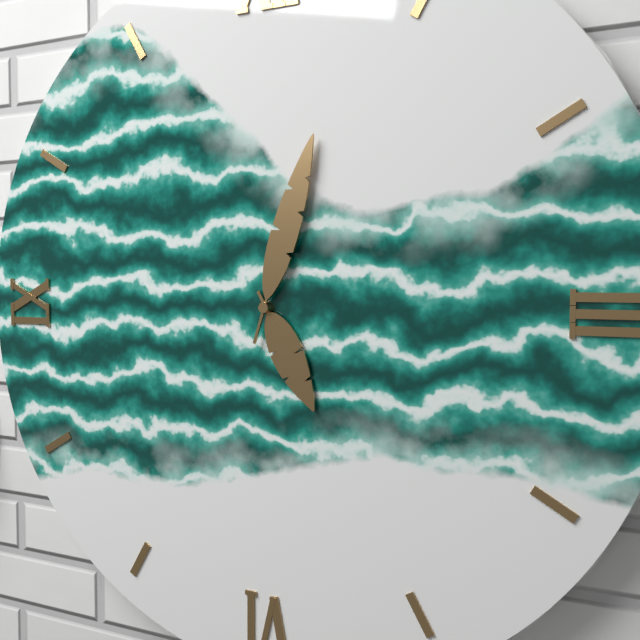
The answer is 5:03
